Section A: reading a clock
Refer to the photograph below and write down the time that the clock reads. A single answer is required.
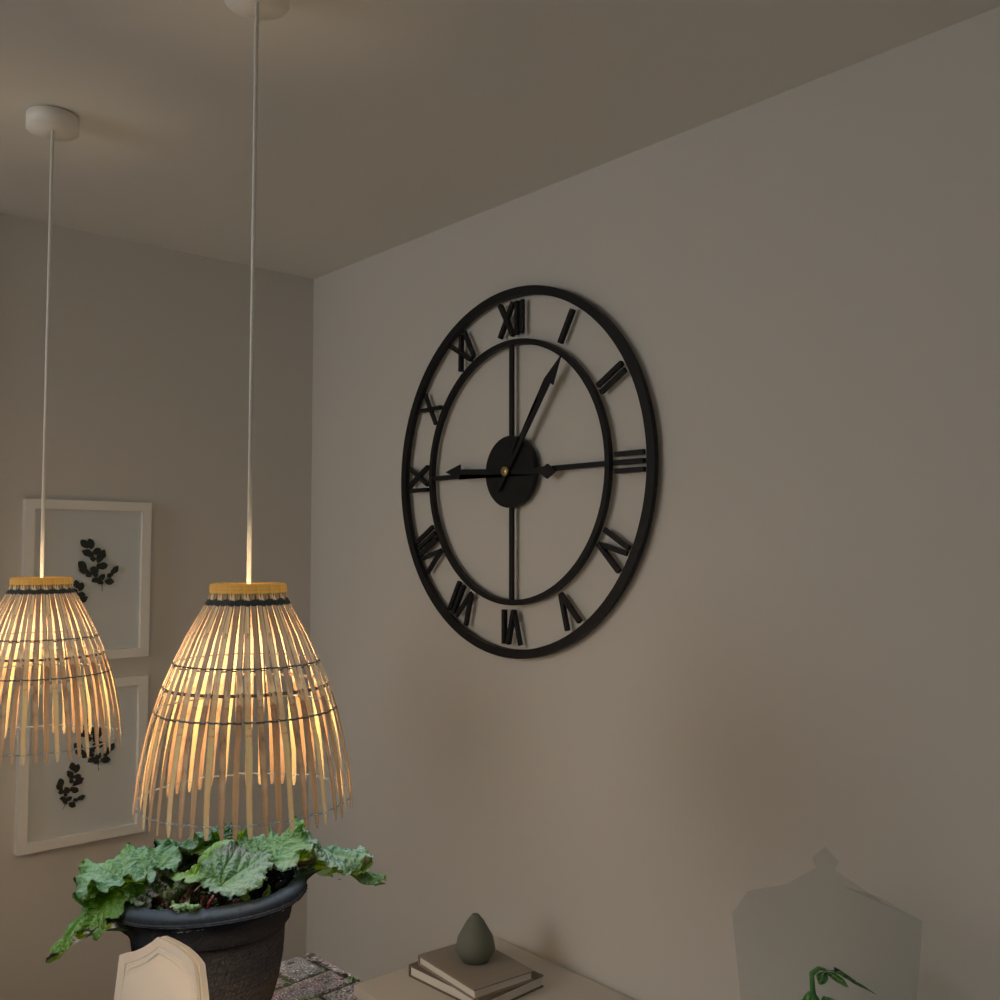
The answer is 9:06
